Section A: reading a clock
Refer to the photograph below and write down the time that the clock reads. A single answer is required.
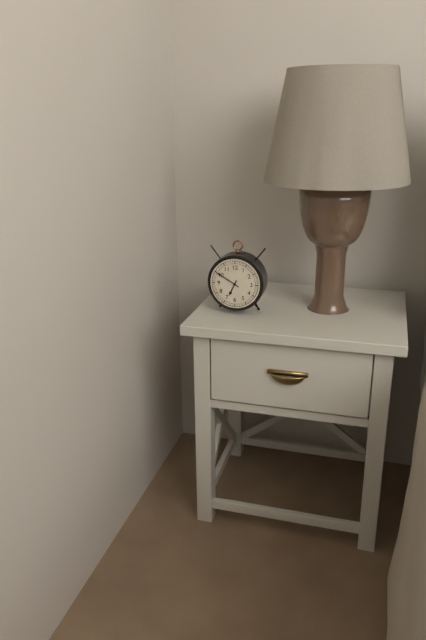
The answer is 6:50
